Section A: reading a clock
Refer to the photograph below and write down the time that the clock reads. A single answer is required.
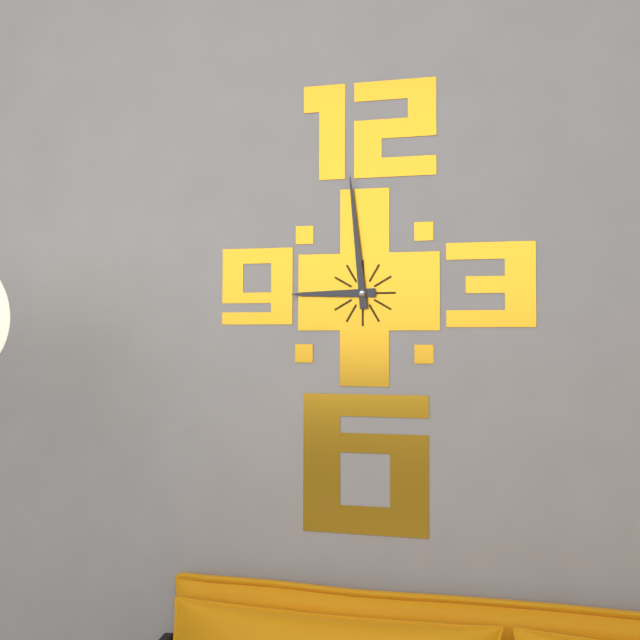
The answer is 8:59
